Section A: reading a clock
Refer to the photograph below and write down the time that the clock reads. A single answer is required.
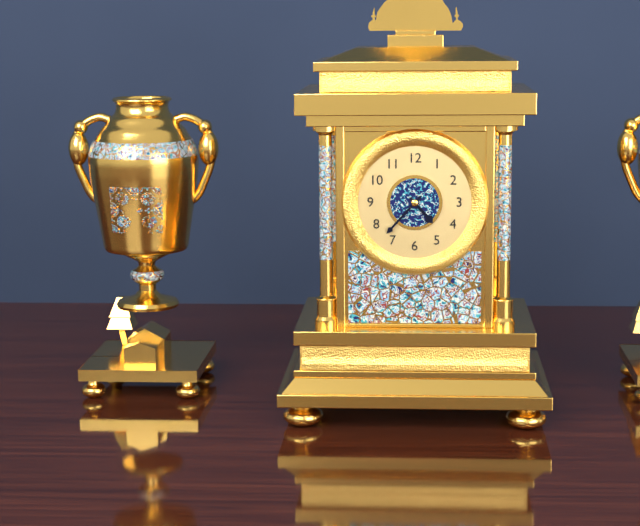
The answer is 4:37
